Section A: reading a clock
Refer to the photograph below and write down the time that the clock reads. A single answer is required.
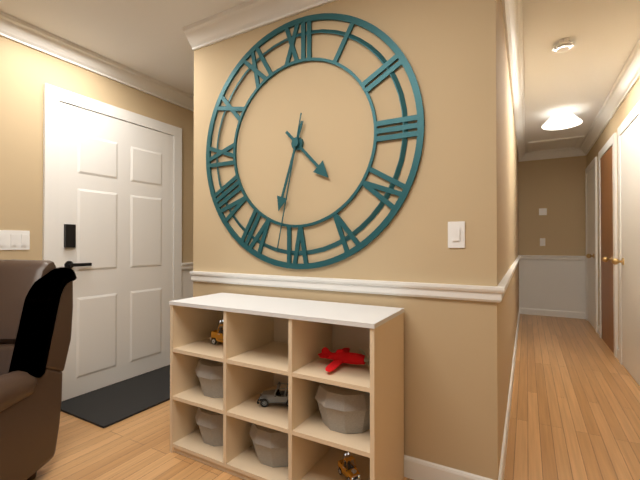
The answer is 4:33:32
